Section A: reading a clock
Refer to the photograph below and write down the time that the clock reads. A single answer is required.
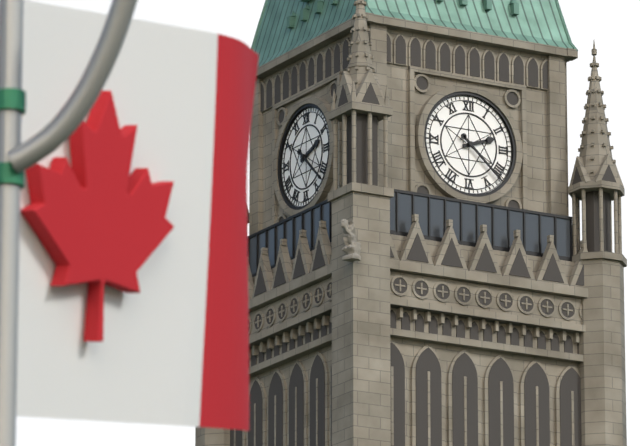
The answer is 2:22
